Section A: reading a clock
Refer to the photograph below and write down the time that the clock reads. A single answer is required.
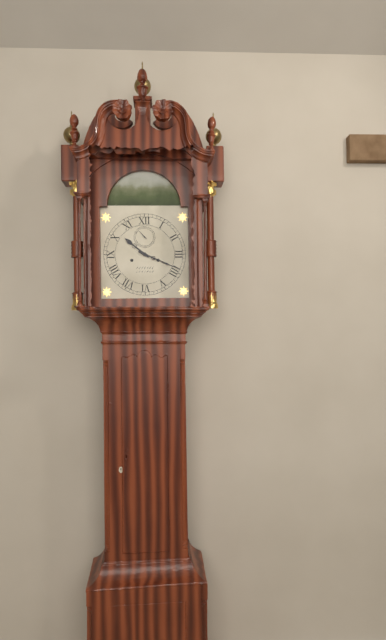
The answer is 10:19
